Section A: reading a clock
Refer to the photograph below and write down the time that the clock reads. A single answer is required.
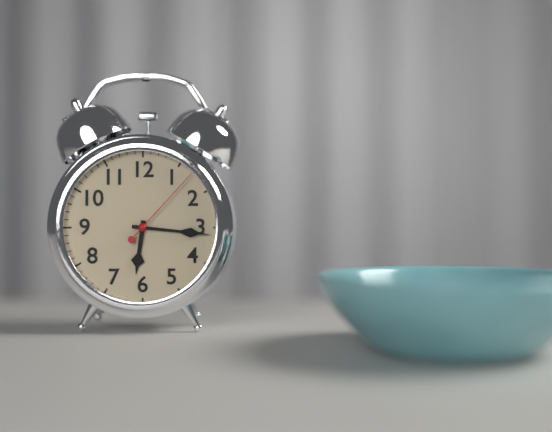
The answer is 6:16:07
